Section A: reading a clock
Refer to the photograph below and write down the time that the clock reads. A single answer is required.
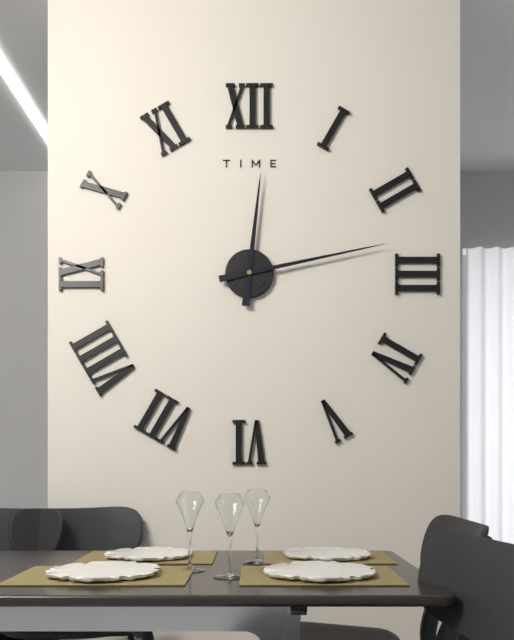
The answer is 12:13
